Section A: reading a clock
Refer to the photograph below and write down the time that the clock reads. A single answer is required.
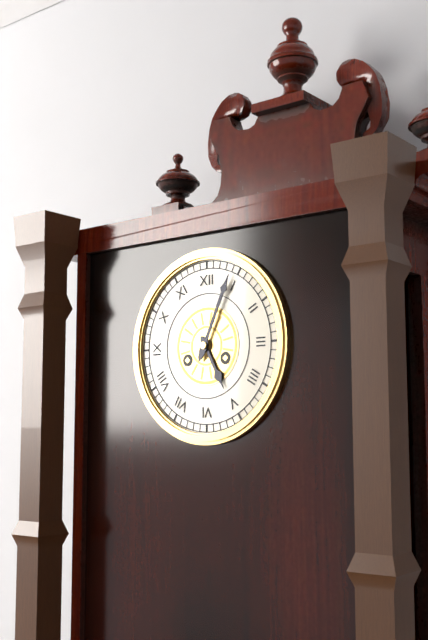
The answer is 5:04
